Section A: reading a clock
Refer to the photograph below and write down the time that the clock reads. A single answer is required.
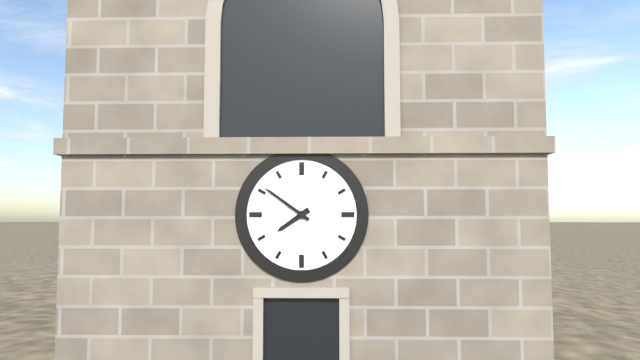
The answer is 7:51
